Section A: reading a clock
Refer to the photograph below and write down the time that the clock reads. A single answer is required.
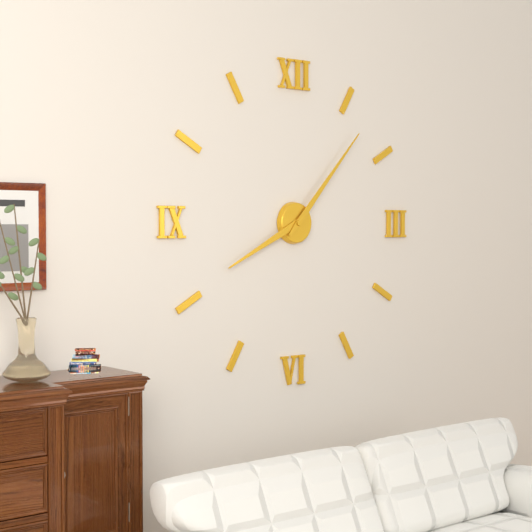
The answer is 8:07
